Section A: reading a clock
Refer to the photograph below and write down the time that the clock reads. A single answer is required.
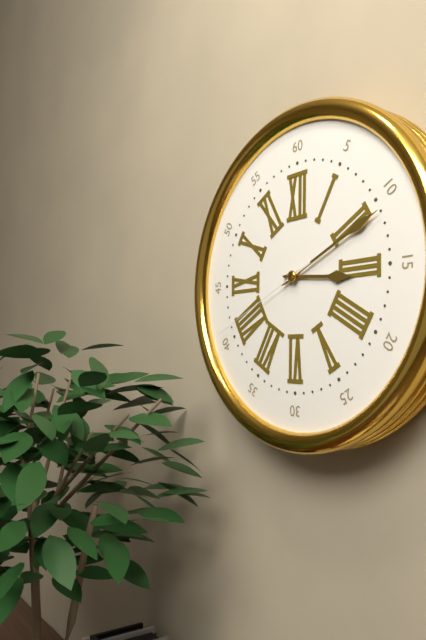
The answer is 3:11:41
